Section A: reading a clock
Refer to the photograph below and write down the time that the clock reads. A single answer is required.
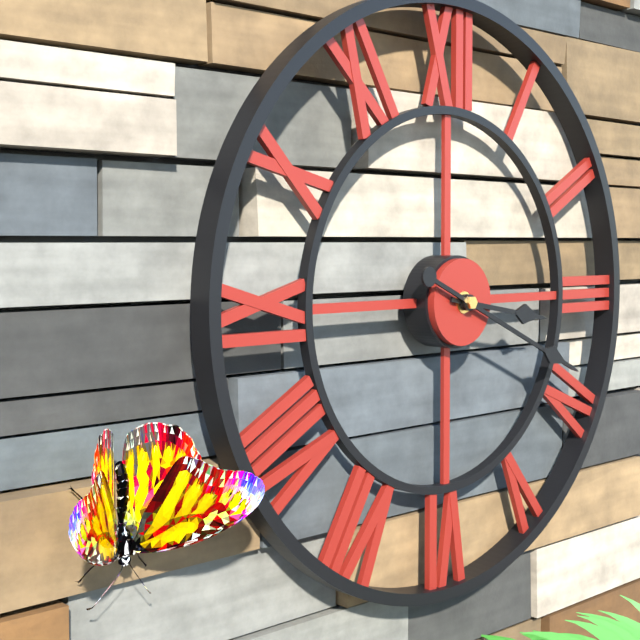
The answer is 3:19
